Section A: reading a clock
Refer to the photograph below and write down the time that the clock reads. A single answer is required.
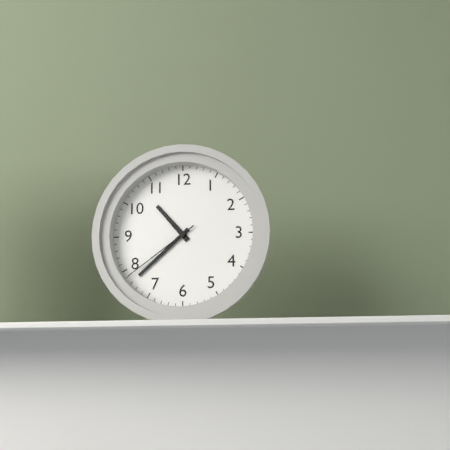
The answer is 10:38:39
